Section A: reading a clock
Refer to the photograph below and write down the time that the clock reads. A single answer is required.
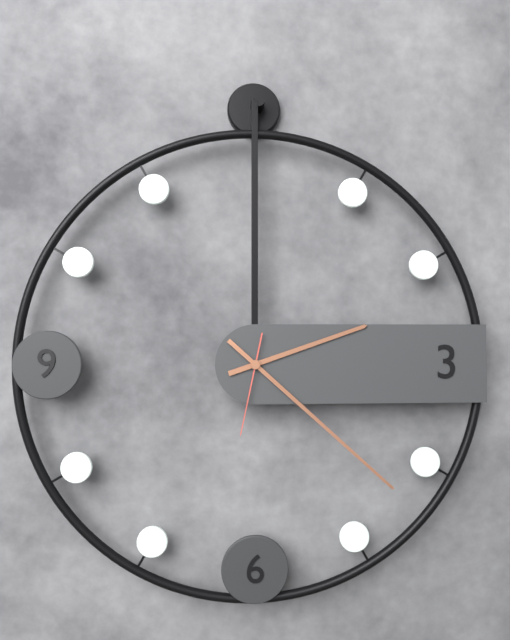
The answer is 2:22:32
